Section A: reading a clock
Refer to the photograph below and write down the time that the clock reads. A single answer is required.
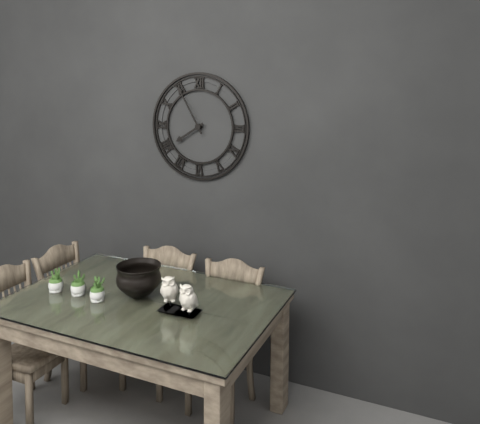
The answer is 7:55
